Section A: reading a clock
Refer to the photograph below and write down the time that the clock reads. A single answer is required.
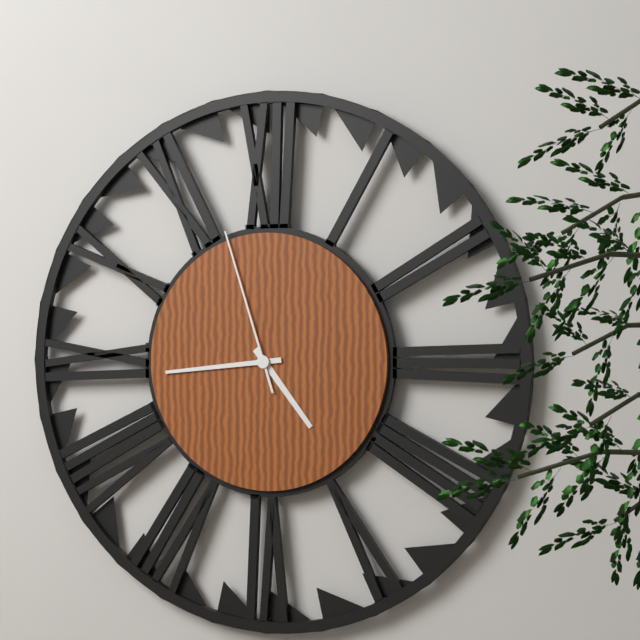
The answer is 4:44:57
